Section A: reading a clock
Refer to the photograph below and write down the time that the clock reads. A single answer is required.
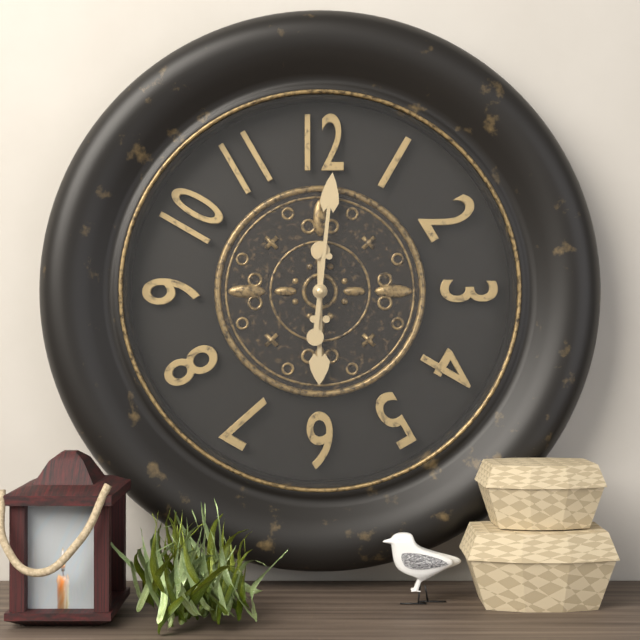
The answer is 6:01
